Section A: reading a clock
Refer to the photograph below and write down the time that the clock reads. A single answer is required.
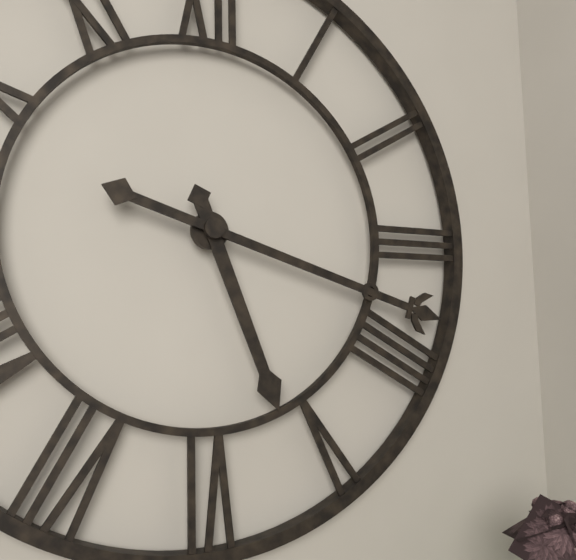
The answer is 5:18
